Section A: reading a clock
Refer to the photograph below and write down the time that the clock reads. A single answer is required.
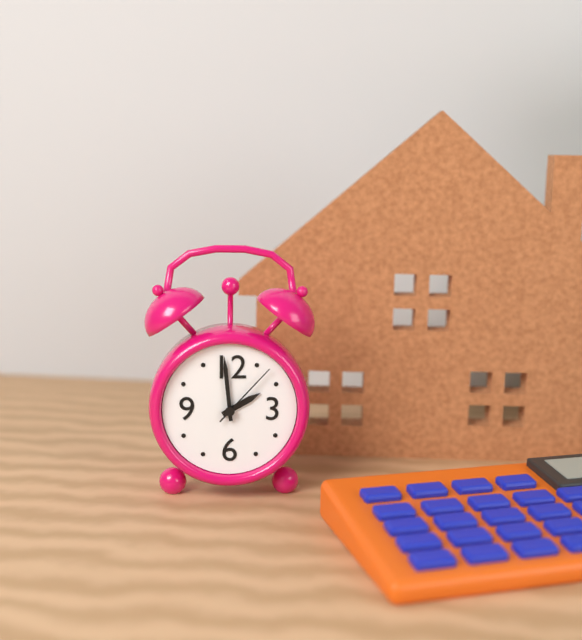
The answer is 1:59:07
